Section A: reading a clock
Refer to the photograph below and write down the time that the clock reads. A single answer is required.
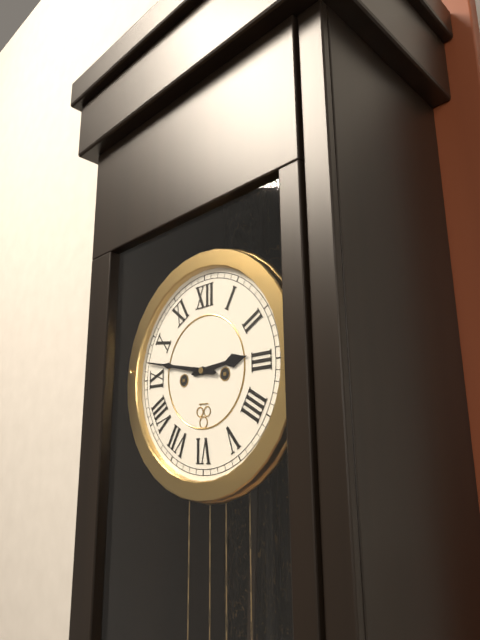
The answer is 2:47
